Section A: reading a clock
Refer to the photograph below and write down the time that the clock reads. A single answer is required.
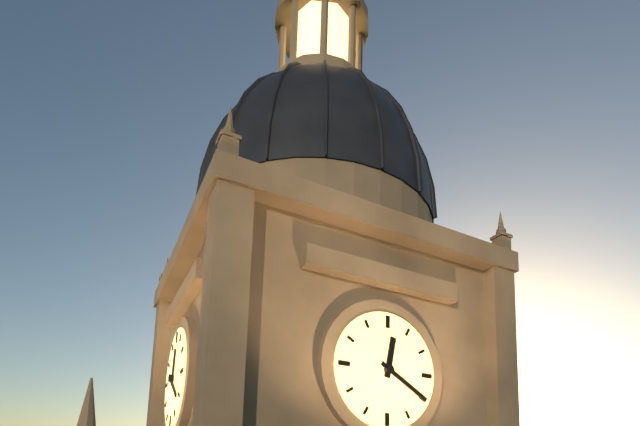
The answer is 12:20
